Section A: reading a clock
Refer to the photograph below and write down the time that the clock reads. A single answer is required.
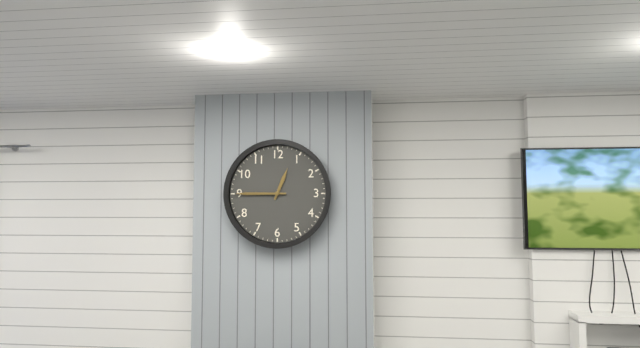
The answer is 12:45
